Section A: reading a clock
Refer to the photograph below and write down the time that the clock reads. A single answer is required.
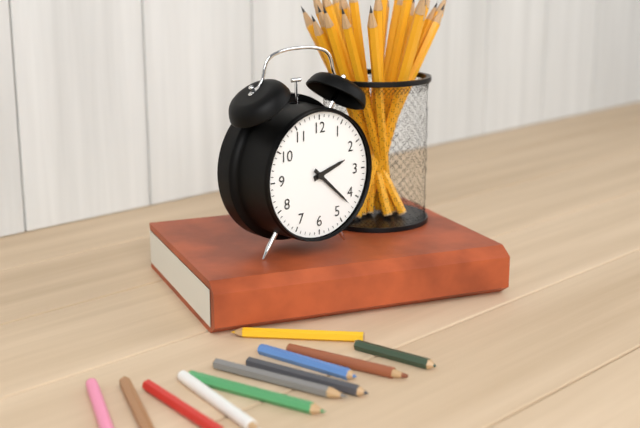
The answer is 2:22
